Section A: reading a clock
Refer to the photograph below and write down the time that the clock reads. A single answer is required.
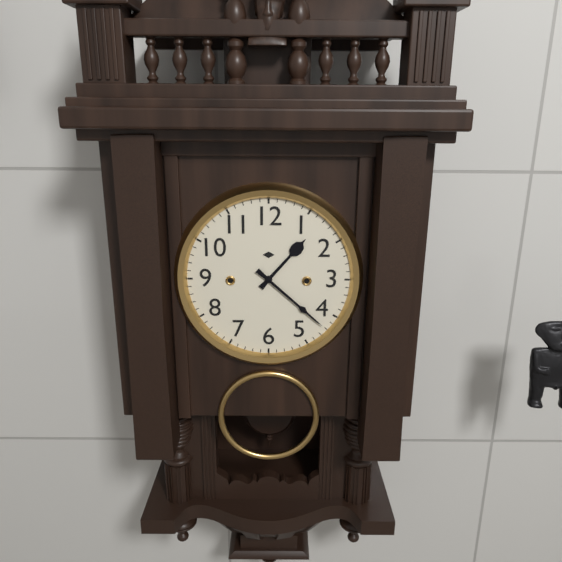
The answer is 1:22
